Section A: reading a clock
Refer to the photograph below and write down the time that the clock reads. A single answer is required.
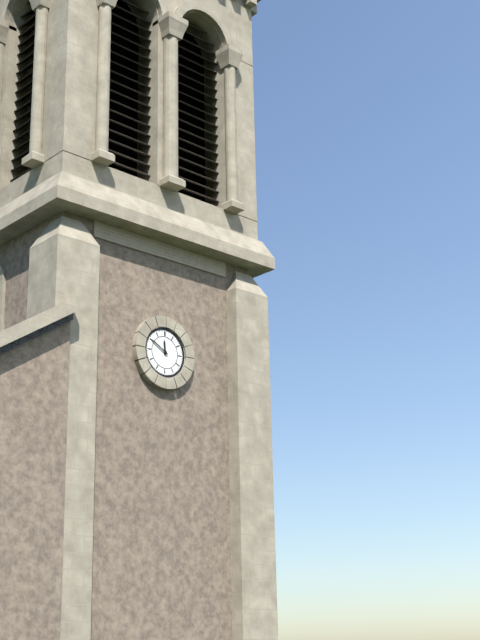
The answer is 11:50
